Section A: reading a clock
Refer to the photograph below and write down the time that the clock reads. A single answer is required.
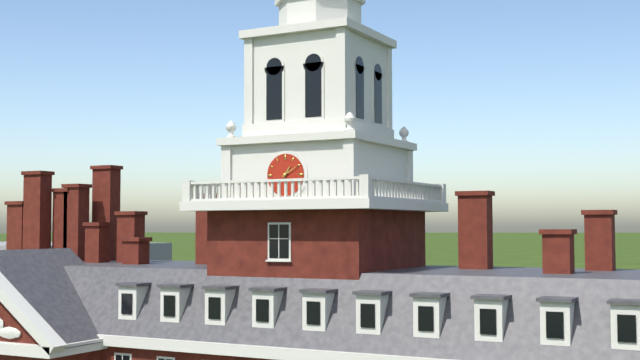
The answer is 1:10
